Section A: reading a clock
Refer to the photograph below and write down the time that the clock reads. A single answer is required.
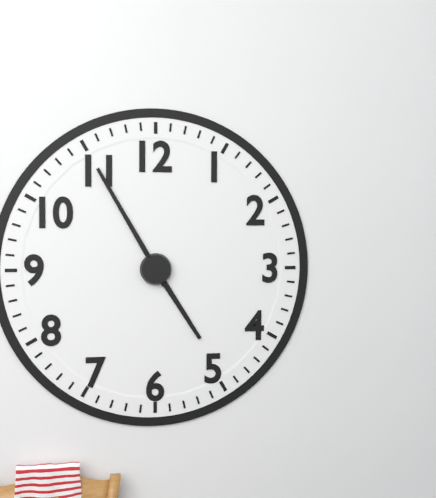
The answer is 4:55
